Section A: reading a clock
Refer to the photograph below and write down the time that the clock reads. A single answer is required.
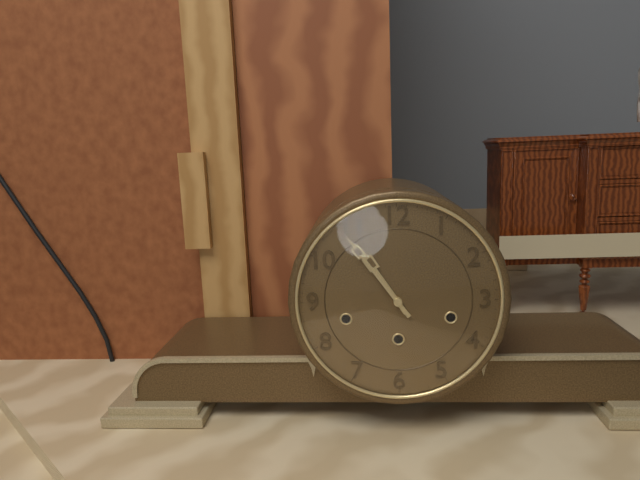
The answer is 10:54
